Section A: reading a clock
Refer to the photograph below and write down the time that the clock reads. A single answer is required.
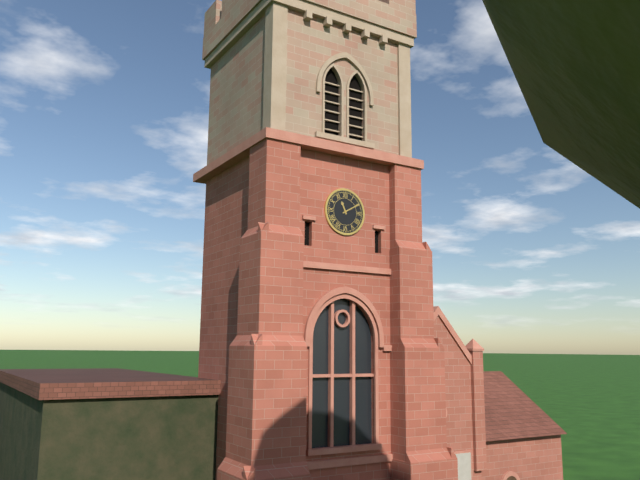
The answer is 11:10
